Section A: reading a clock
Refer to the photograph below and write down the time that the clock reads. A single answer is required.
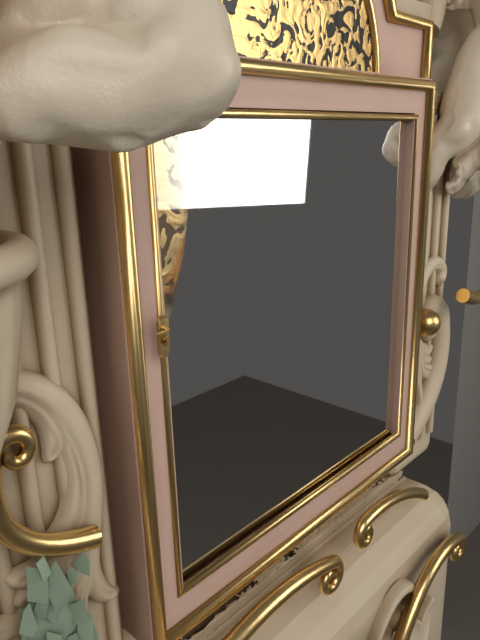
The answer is 8:47
